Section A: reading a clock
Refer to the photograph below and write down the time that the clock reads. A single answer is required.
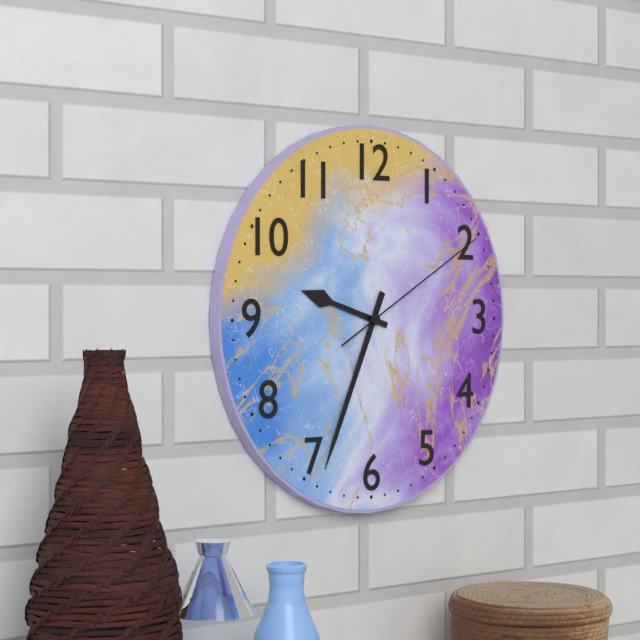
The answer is 9:34:10
